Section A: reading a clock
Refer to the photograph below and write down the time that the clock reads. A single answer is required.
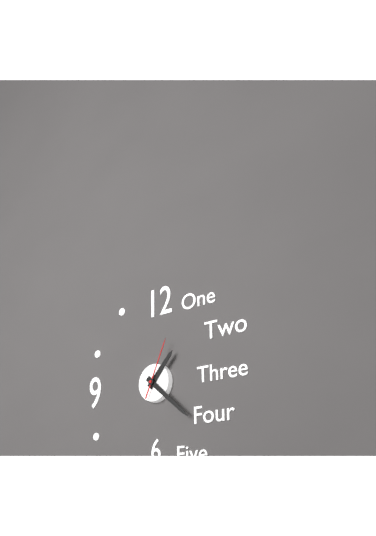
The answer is 1:22:04
